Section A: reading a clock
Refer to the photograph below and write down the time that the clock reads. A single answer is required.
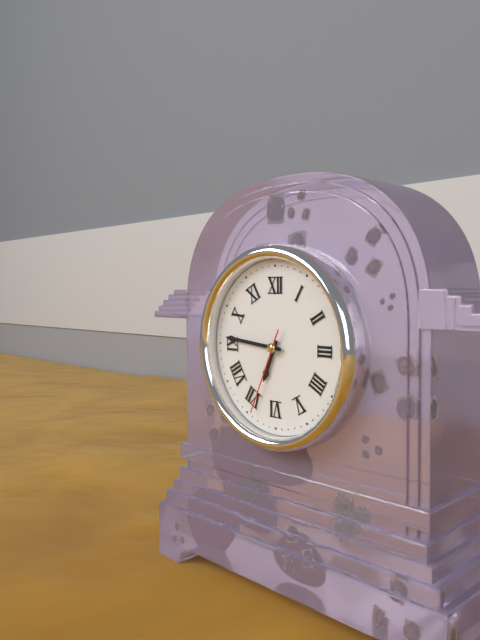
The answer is 6:46:34
